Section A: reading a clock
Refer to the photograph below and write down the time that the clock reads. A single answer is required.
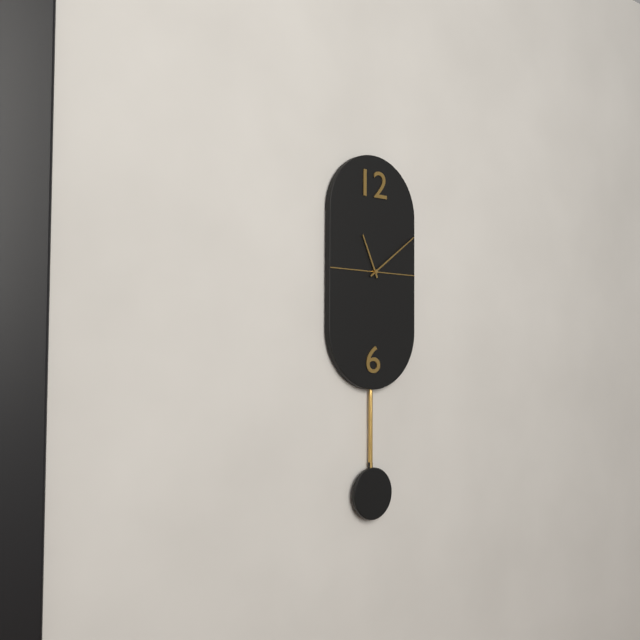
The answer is 11:09
